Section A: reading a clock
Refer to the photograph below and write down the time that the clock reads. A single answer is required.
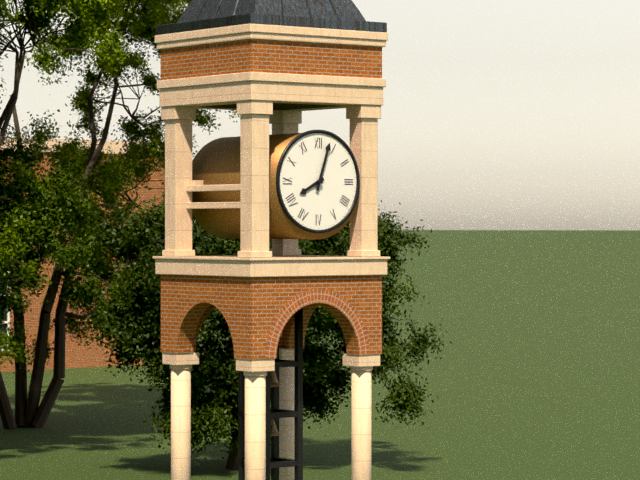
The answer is 8:03
